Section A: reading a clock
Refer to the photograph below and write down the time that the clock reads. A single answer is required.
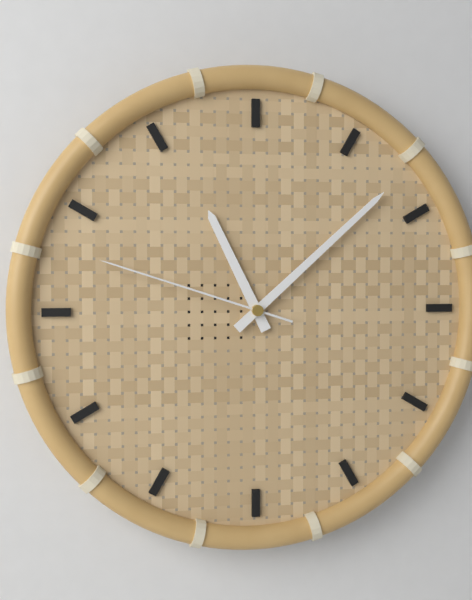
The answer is 11:08:48
